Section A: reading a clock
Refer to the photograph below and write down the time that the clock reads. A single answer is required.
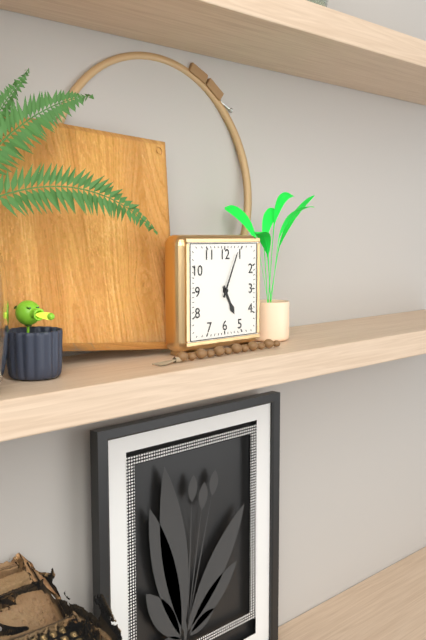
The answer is 5:04
